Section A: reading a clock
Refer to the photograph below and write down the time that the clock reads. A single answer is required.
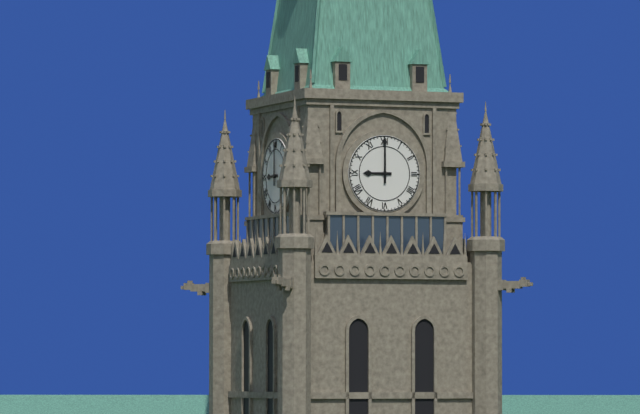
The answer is 9:00
